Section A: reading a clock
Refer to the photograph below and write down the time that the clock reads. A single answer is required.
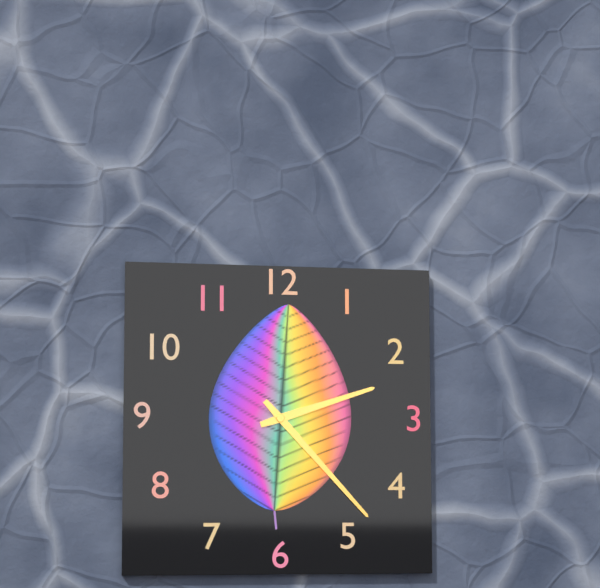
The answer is 2:23
